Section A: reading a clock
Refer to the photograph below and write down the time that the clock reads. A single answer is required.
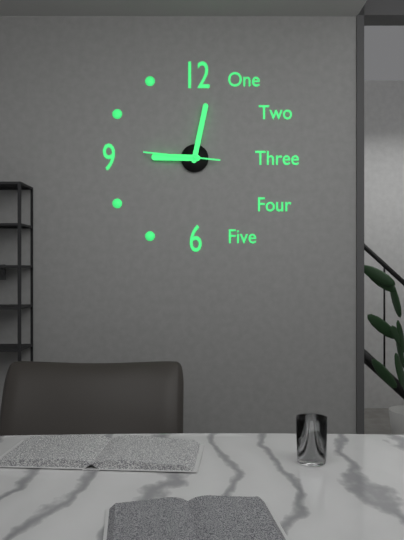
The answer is 9:02:46
